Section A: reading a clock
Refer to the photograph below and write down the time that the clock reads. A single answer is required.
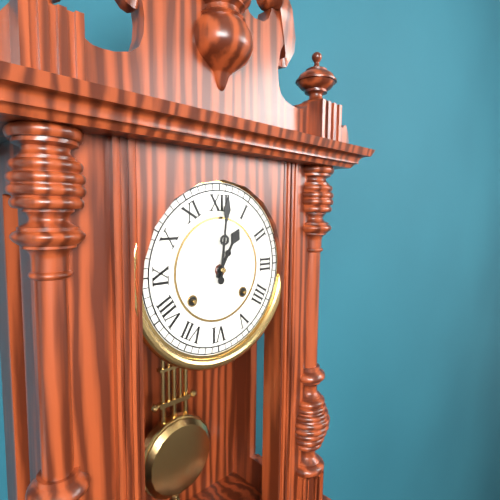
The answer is 1:01
